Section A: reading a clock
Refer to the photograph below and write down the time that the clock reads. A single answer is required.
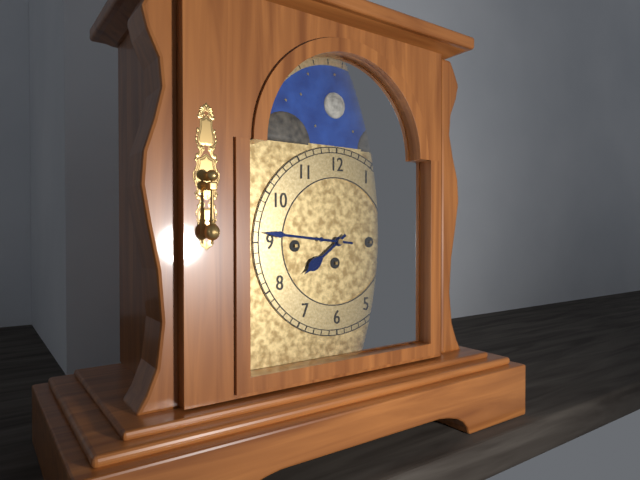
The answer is 7:46
